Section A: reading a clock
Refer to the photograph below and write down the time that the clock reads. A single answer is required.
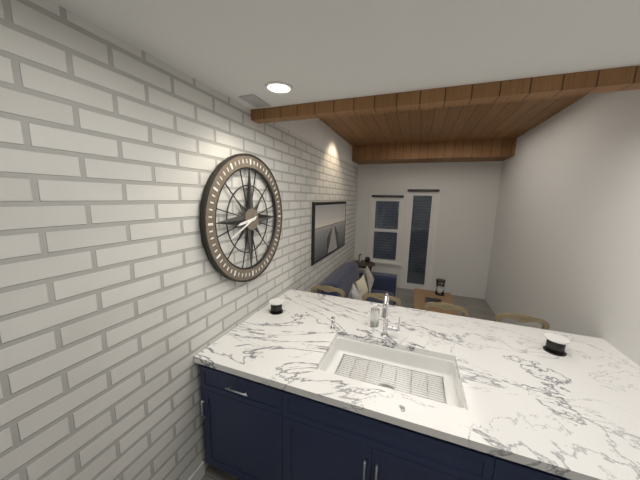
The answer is 8:41
